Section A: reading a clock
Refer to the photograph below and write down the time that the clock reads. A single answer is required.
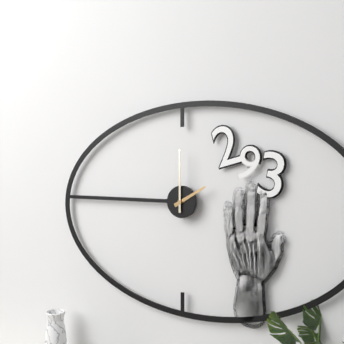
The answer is 2:00
